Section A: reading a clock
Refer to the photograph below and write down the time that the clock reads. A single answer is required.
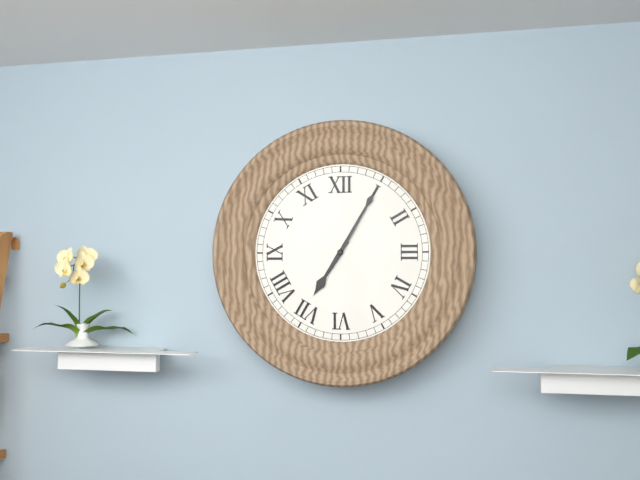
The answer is 7:05
